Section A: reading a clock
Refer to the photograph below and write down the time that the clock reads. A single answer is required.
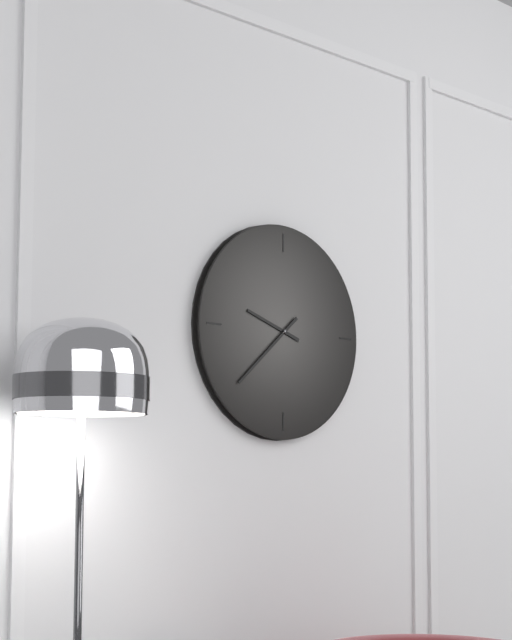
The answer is 9:38
